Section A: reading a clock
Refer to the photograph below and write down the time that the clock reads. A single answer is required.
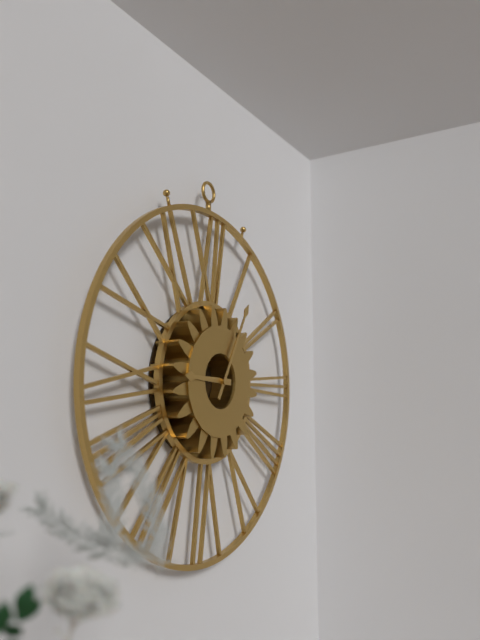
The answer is 9:05
